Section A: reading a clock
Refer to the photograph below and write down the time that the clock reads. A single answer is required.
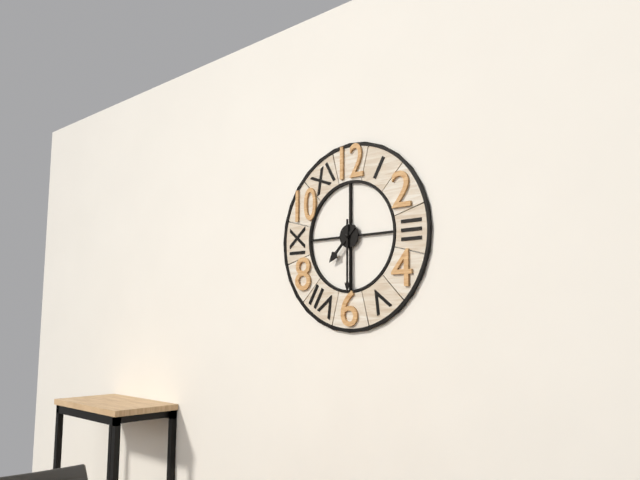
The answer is 7:30
